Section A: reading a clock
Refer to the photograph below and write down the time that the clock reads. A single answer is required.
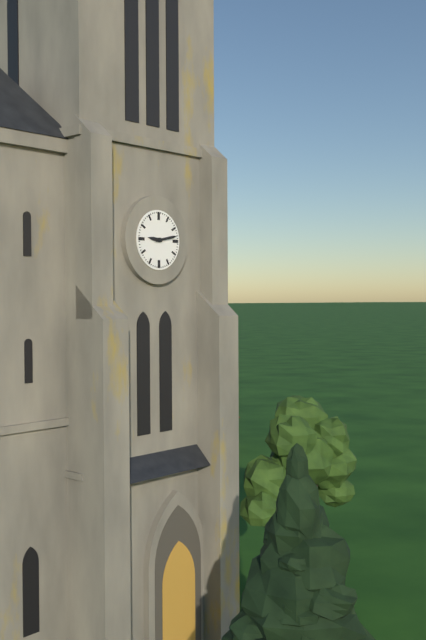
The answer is 9:13
